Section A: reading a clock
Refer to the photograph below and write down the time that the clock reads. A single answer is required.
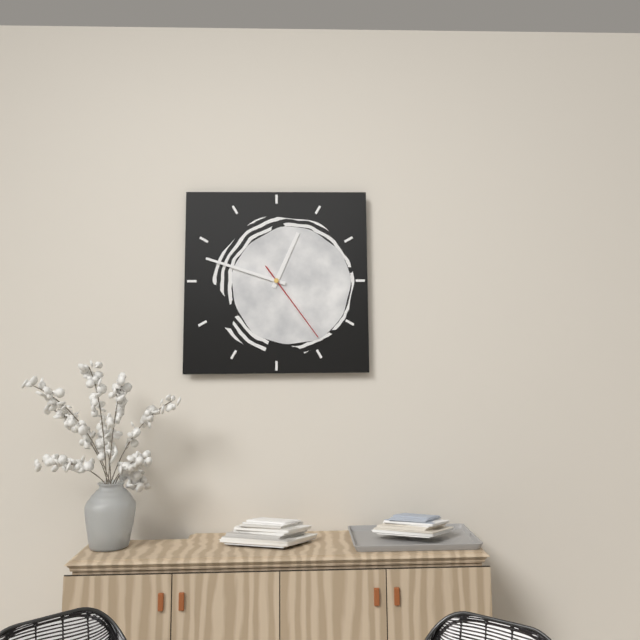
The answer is 12:48:24
